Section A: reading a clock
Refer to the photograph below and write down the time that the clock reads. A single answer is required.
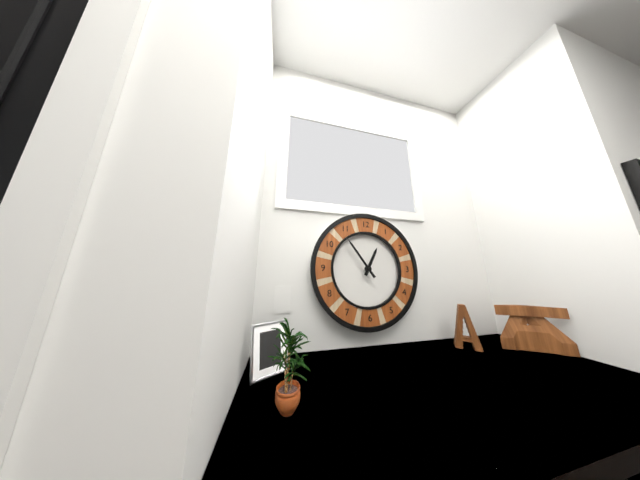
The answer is 12:54
